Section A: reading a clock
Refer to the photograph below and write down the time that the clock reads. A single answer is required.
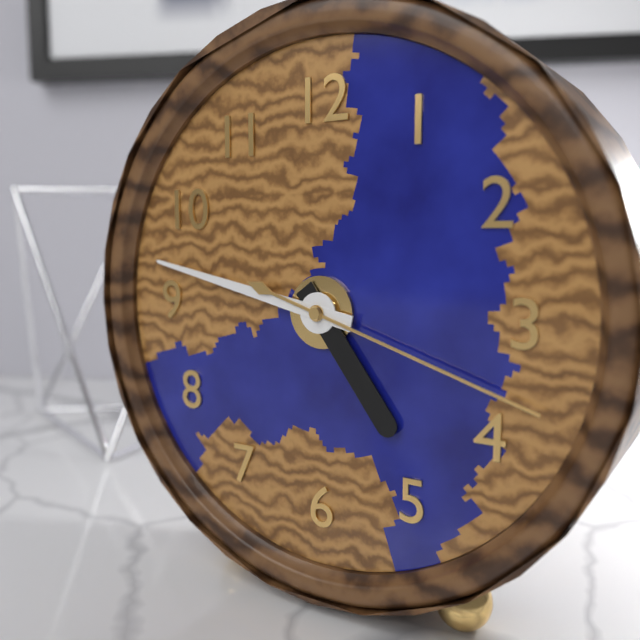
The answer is 4:47:18
